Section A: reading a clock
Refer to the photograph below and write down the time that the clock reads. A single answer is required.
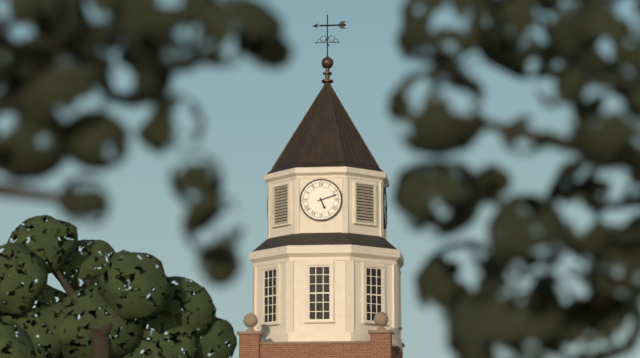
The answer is 5:12
